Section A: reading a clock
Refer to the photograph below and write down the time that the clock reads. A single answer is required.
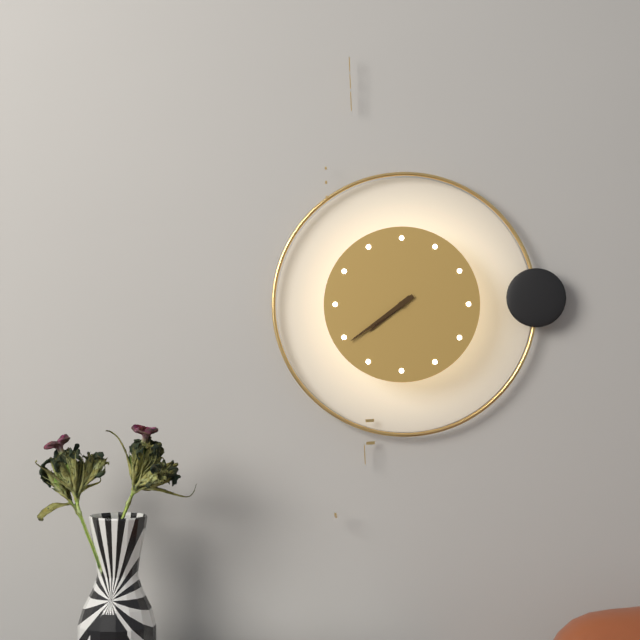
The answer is 7:39
